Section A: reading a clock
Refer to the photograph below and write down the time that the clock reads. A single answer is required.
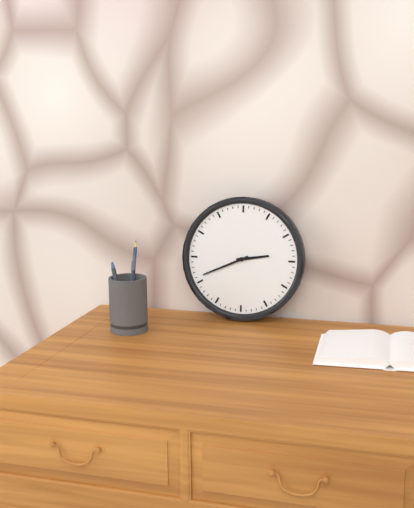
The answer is 2:41
